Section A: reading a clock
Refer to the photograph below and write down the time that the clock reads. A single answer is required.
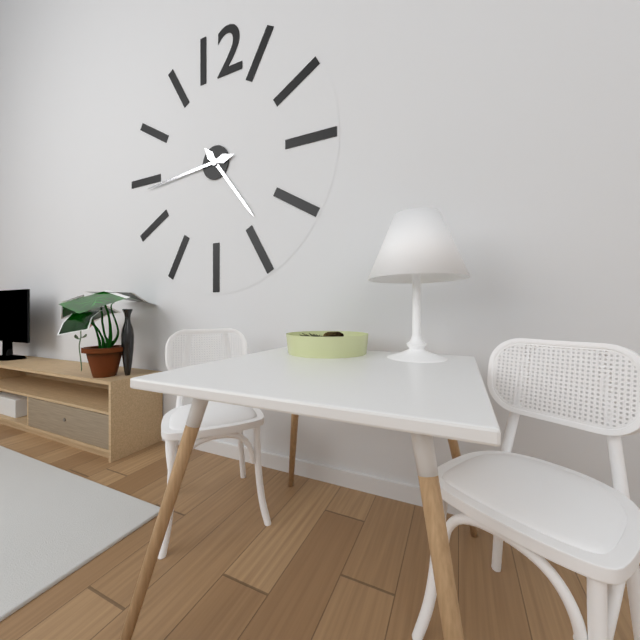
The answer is 4:44
